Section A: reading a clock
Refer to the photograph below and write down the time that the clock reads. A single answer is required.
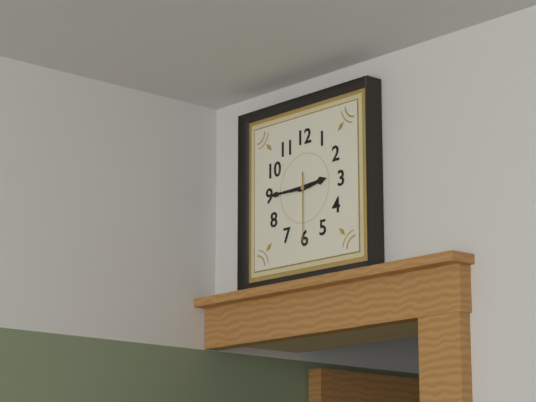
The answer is 2:45:30
